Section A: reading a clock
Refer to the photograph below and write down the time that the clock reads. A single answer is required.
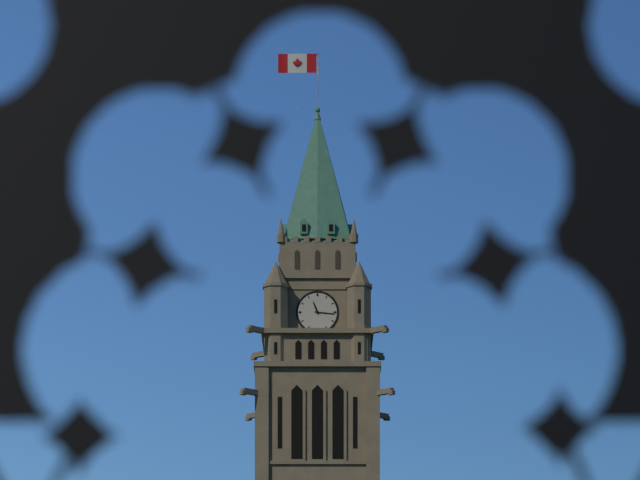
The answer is 11:16
